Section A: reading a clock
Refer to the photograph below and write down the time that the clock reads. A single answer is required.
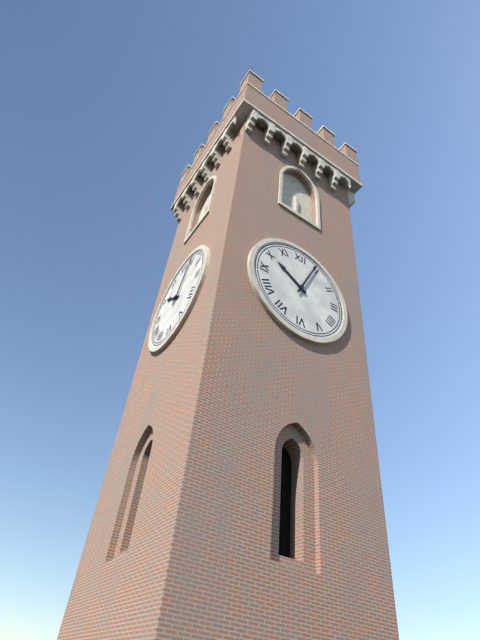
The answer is 10:04
